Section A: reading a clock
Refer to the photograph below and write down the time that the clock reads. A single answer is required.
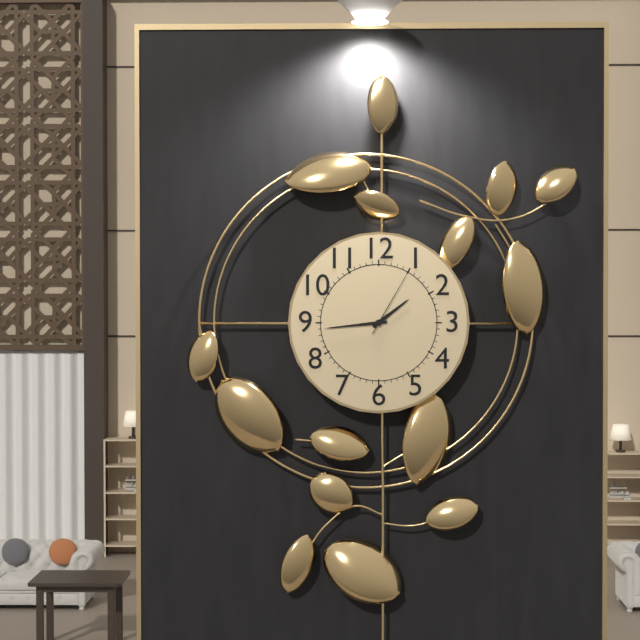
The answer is 1:44:05
